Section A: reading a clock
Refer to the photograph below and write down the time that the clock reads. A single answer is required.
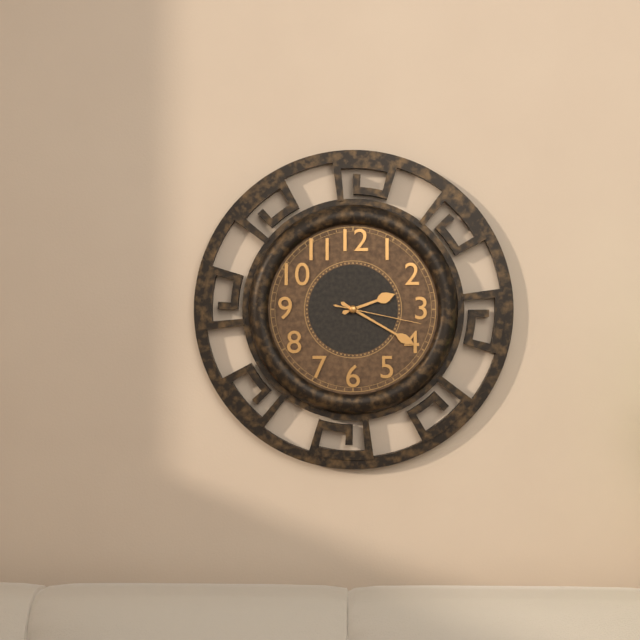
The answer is 2:20:17
